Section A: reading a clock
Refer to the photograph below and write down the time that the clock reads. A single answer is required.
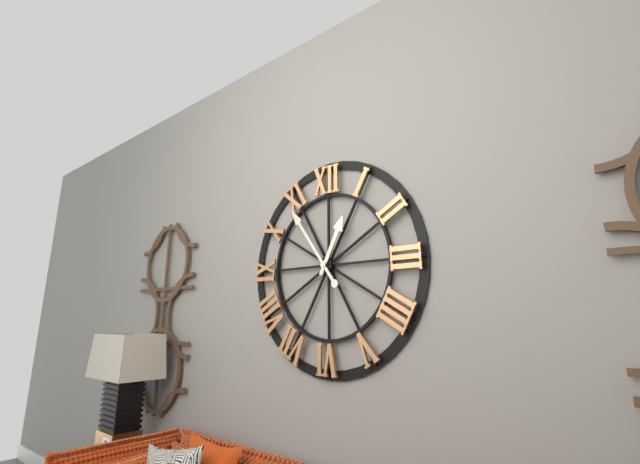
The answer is 12:54
